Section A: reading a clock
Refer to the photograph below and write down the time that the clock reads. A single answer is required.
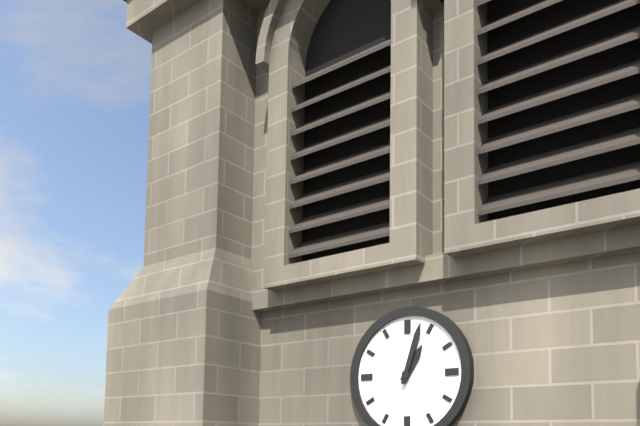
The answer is 1:03
